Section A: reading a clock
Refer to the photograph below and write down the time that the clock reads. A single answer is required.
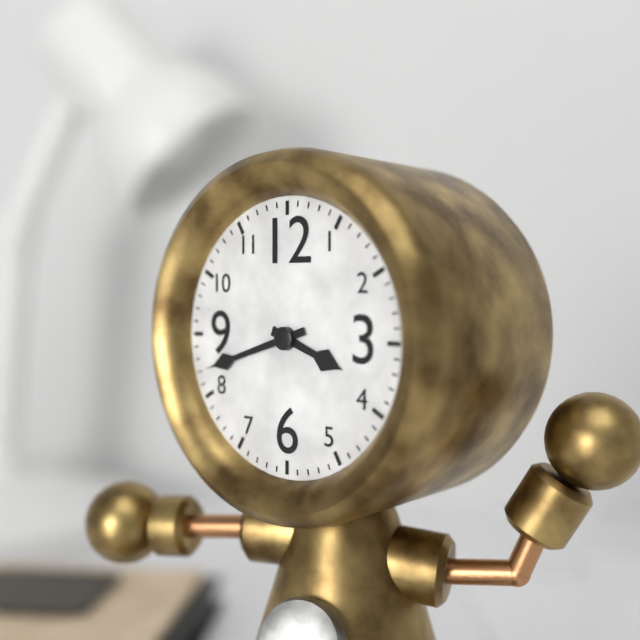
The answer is 3:42
